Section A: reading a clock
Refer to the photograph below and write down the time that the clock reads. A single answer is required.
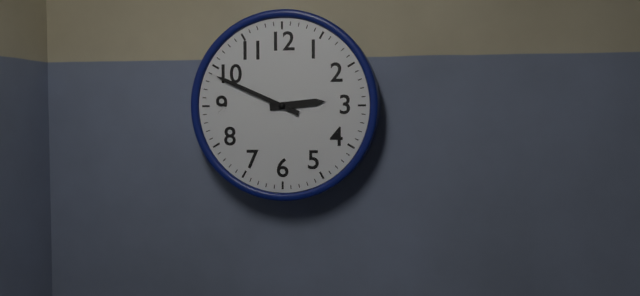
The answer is 2:49
